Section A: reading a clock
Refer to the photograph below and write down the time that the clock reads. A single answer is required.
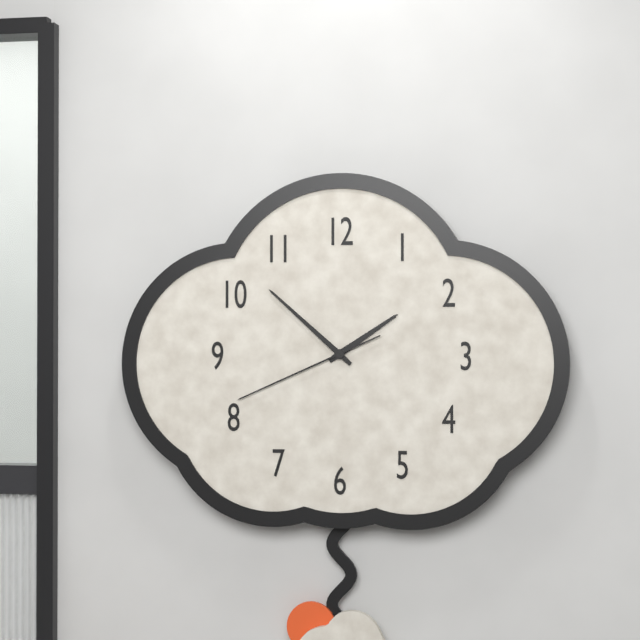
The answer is 1:52:41
